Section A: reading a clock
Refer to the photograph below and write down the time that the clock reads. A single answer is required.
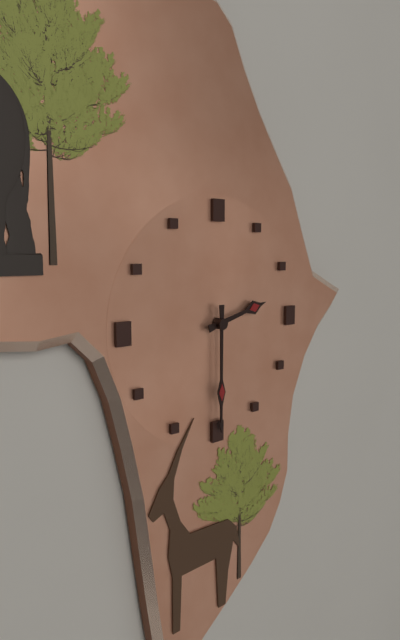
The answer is 2:30
